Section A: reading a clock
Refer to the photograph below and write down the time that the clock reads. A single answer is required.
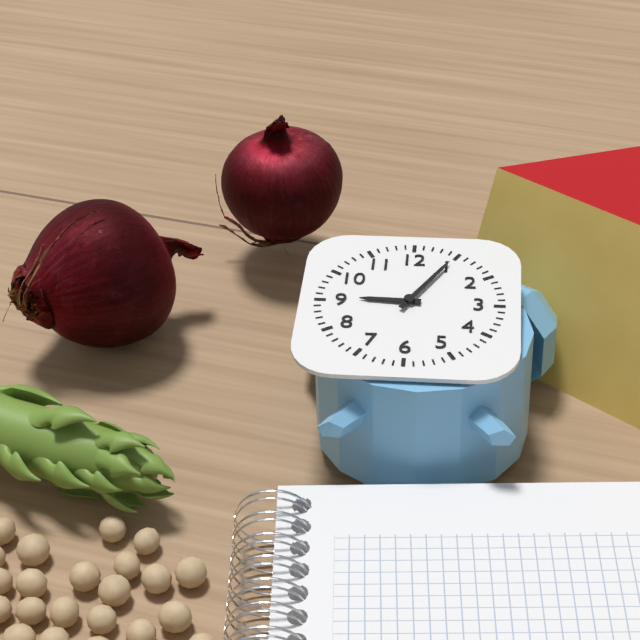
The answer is 9:05
